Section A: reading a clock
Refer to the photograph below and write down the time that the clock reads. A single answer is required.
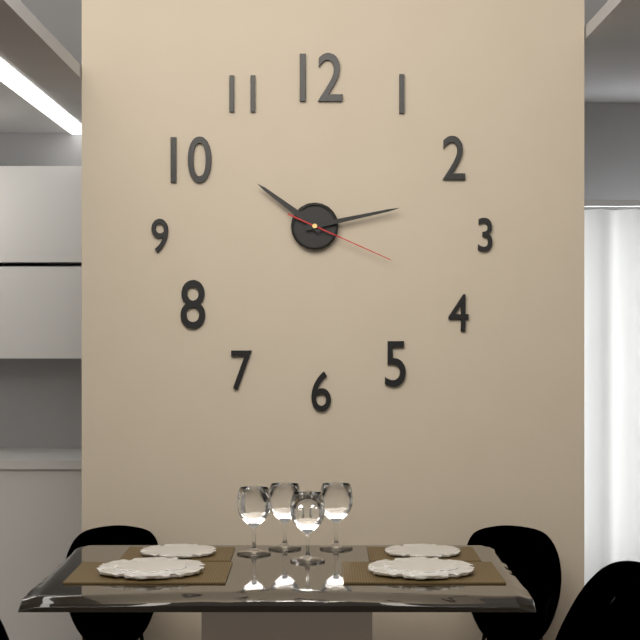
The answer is 10:13:19
